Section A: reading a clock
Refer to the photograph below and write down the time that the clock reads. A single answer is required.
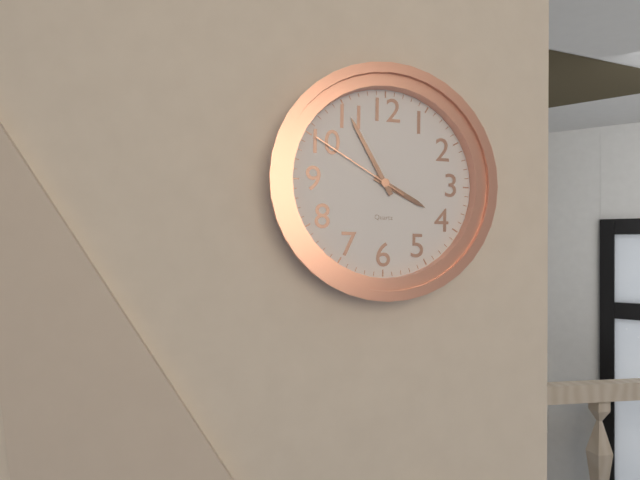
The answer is 3:55:50
